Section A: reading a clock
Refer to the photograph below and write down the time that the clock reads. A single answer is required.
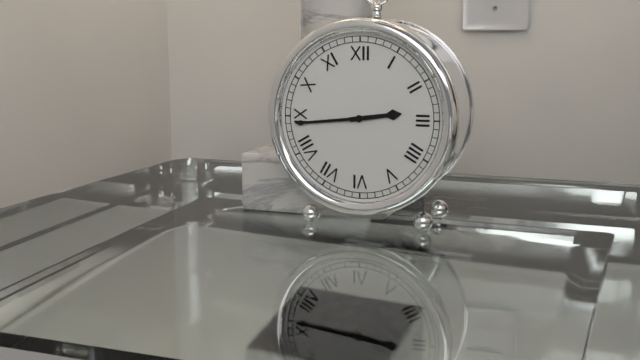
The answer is 2:44
